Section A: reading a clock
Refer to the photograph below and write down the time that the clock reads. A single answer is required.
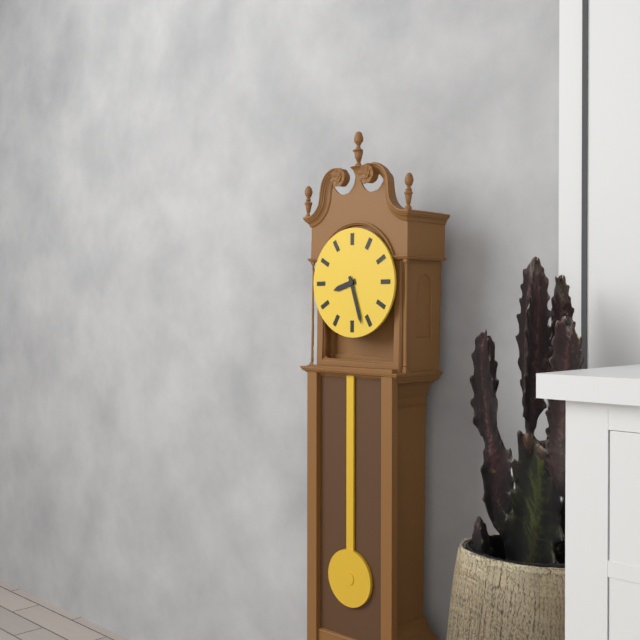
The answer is 8:27
